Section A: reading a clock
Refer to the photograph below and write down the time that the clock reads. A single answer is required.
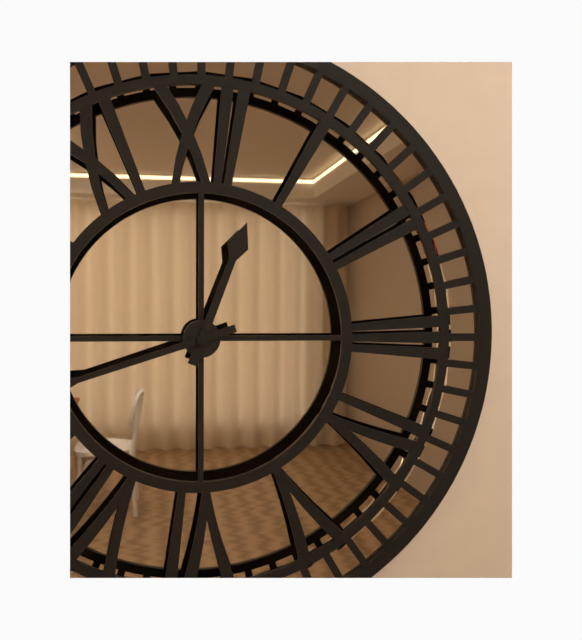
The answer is 12:42
